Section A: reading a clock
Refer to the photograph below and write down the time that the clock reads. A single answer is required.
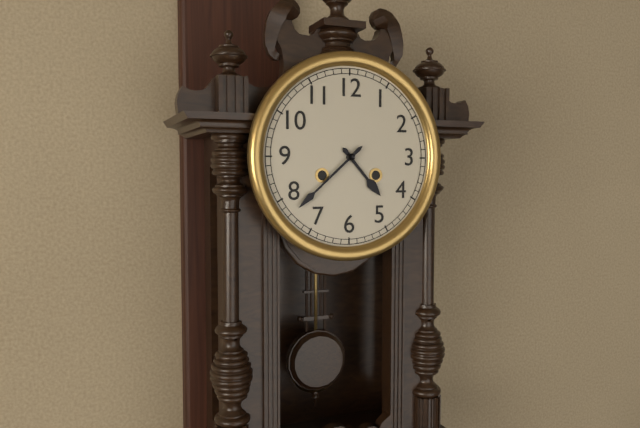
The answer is 4:38
